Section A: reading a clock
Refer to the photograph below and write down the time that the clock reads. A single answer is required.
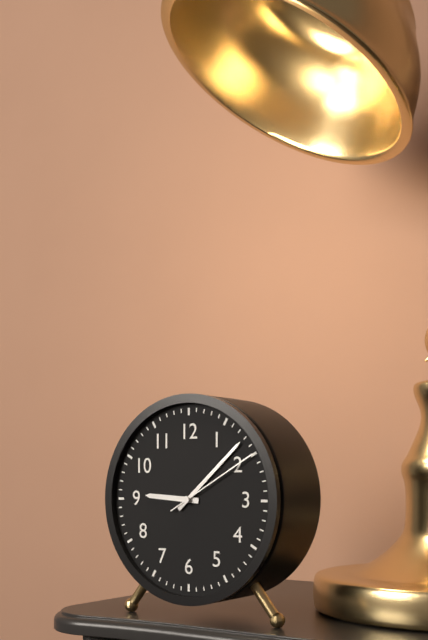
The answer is 9:08:10
